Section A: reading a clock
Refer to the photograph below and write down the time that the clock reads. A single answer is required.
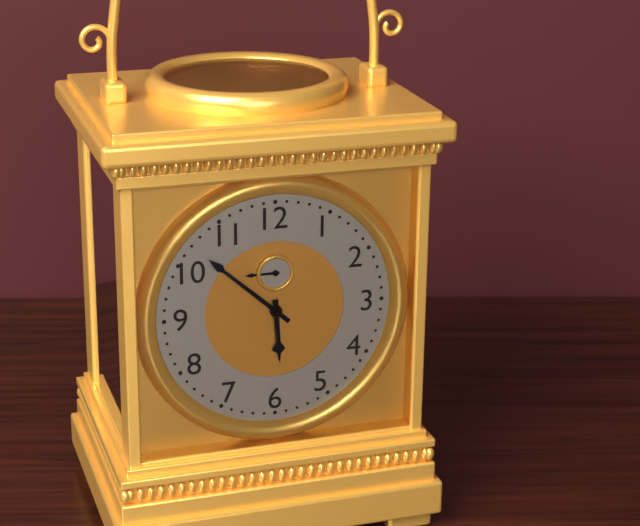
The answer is 5:52
